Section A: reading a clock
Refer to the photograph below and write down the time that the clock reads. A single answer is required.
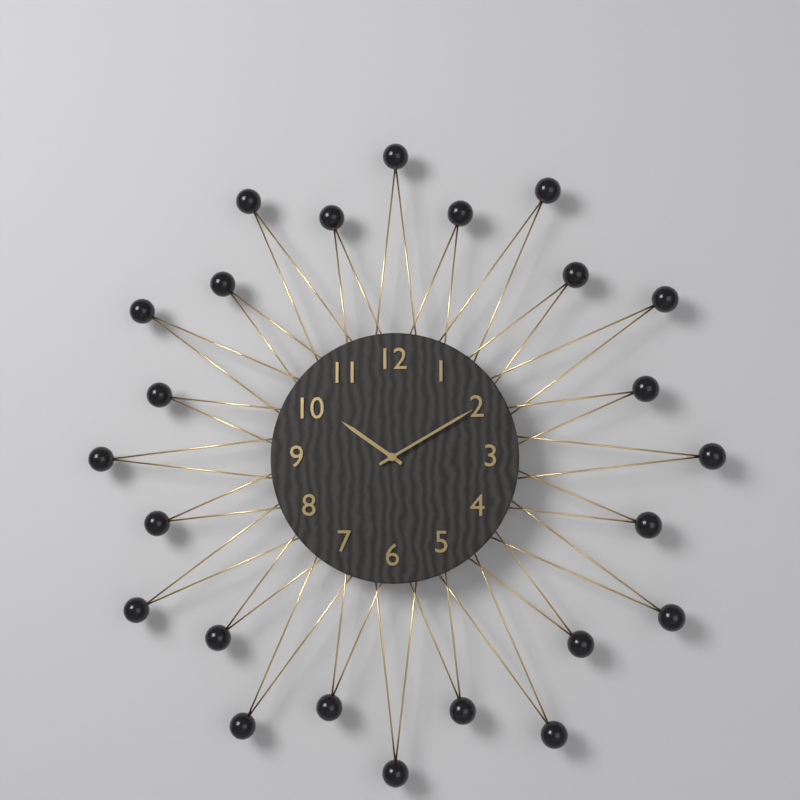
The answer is 10:10
